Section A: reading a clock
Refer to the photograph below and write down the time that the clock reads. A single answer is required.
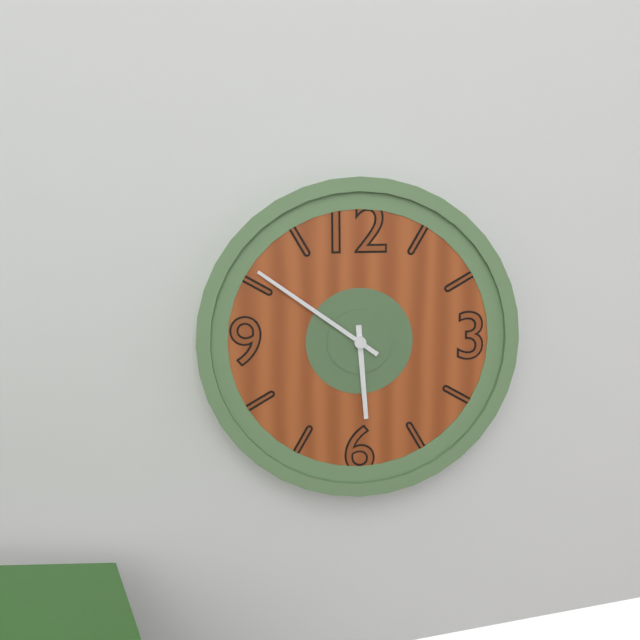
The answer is 5:51
